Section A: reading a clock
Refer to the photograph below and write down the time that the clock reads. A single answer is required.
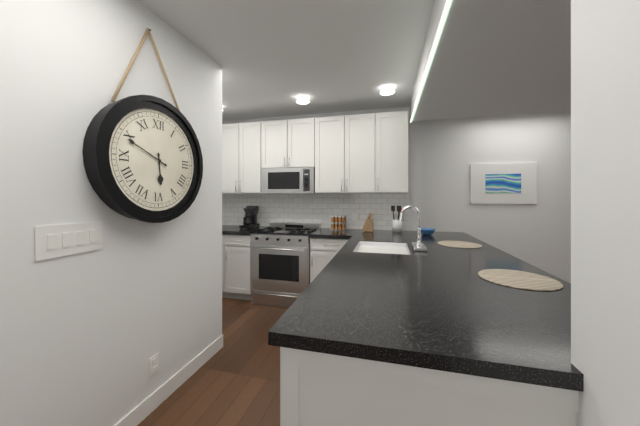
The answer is 5:49
